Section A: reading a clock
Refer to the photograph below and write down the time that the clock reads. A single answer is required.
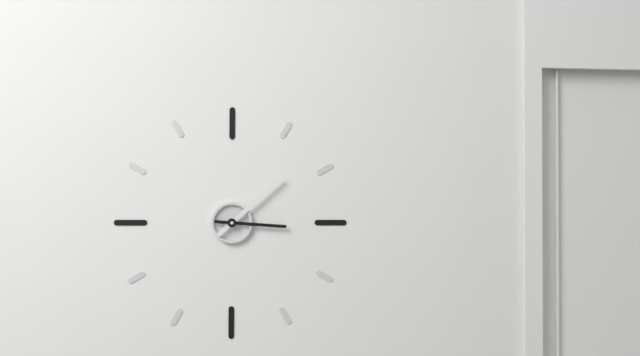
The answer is 3:08
